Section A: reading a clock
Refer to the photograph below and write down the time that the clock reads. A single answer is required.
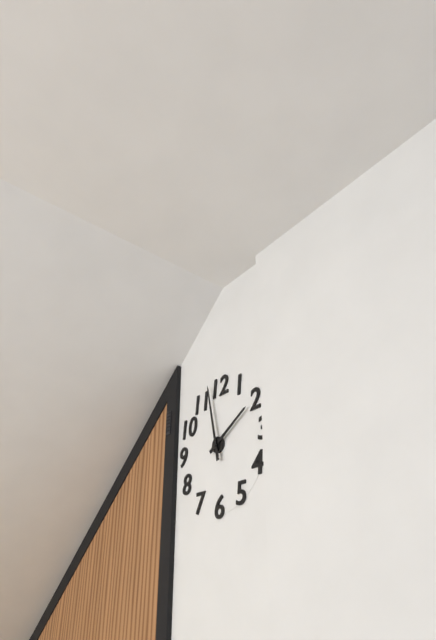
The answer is 1:58
